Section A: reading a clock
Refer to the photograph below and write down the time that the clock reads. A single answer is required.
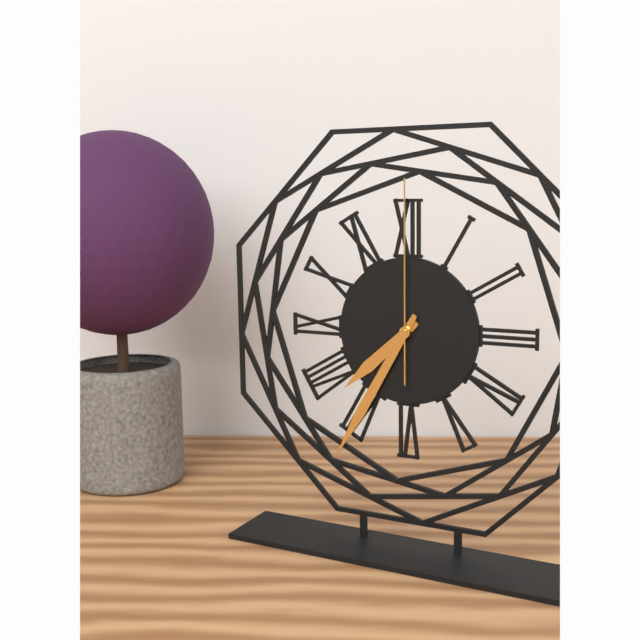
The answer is 7:35:00
